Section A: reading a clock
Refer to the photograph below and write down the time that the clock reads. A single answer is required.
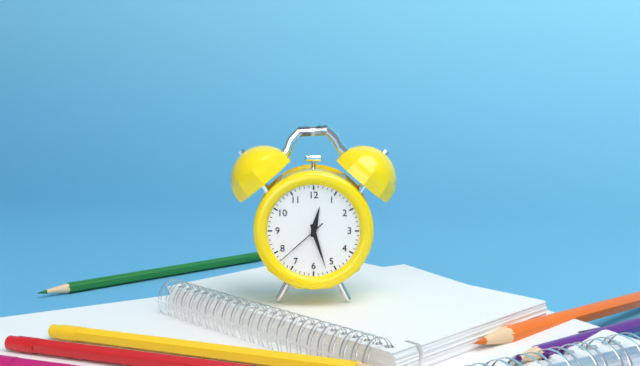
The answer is 12:27:38
